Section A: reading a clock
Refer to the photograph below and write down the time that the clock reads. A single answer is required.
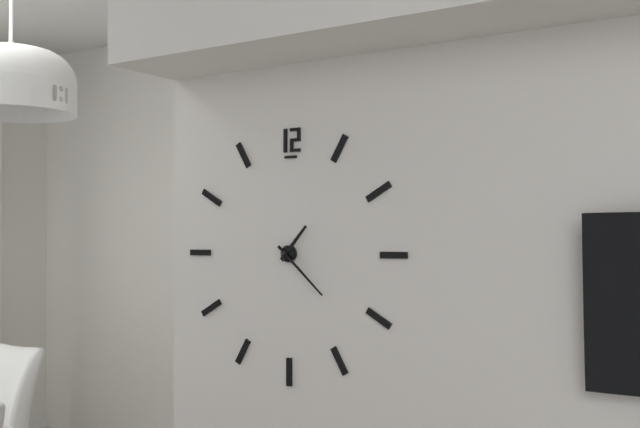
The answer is 1:22
